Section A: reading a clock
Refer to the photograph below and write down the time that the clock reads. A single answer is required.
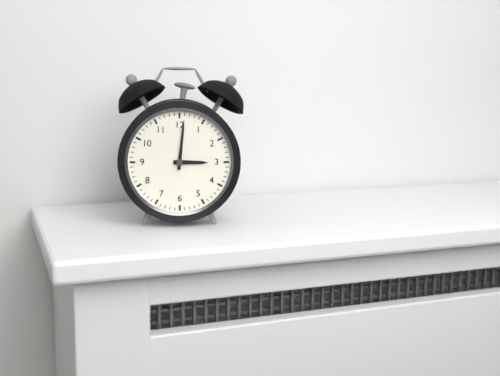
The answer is 3:01
